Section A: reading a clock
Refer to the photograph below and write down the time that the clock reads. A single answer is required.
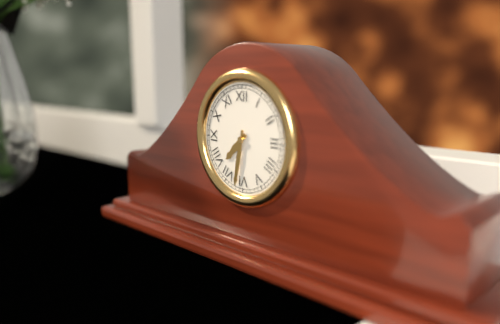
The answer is 7:32
